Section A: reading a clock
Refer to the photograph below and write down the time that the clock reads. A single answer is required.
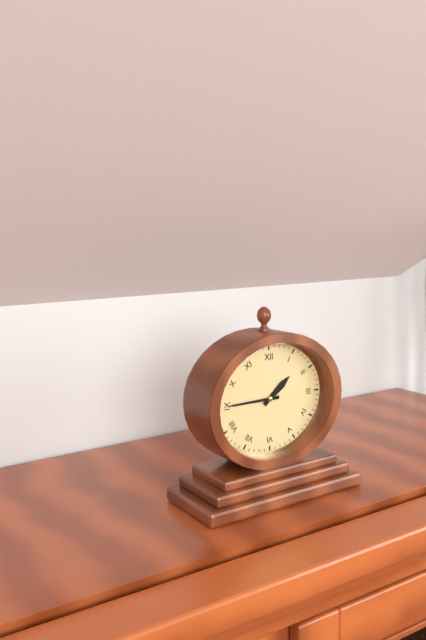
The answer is 1:45
